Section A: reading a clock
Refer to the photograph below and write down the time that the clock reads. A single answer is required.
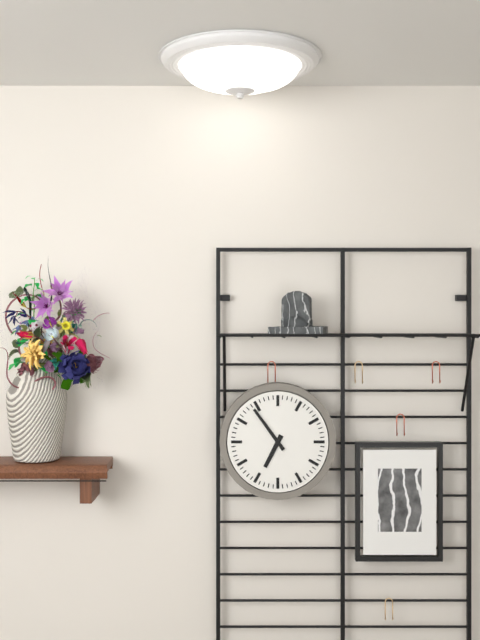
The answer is 6:54
